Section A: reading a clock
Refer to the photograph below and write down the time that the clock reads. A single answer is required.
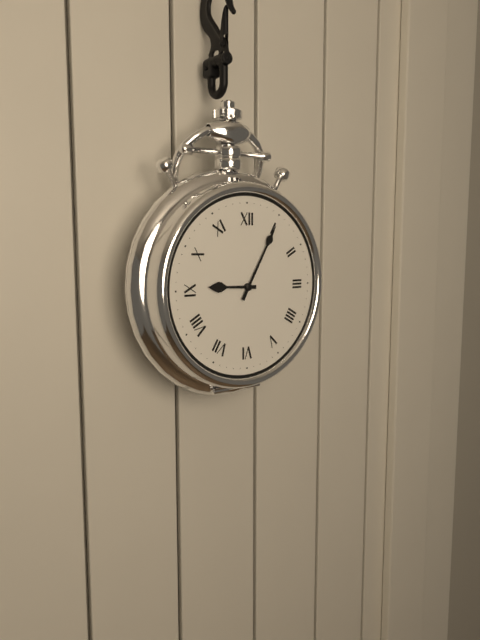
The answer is 9:05
